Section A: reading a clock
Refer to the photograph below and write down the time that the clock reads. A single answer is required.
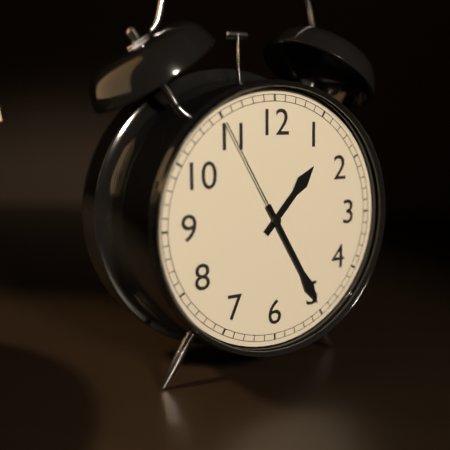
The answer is 1:25:55
